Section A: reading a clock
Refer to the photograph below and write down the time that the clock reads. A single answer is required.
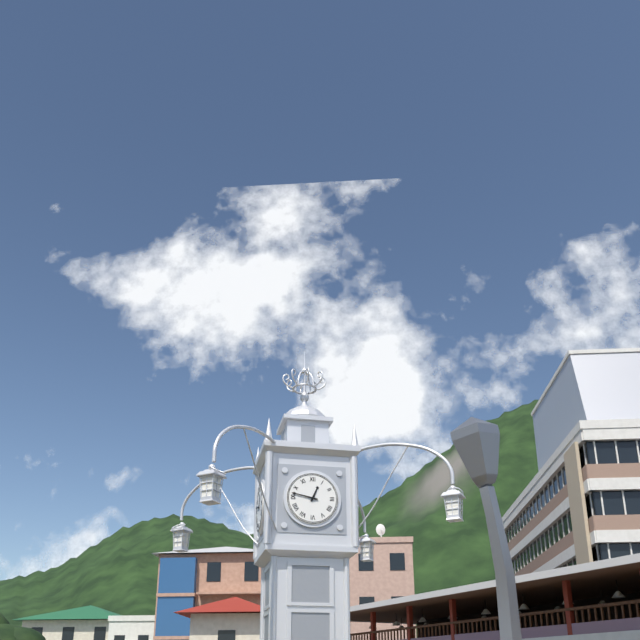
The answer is 12:47
